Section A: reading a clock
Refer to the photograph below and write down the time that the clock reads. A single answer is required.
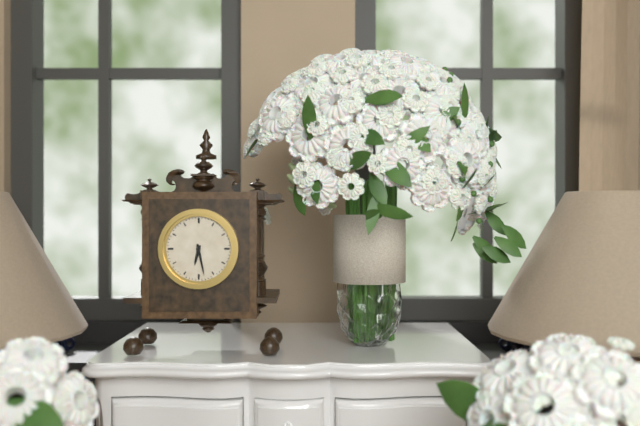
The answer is 6:28
